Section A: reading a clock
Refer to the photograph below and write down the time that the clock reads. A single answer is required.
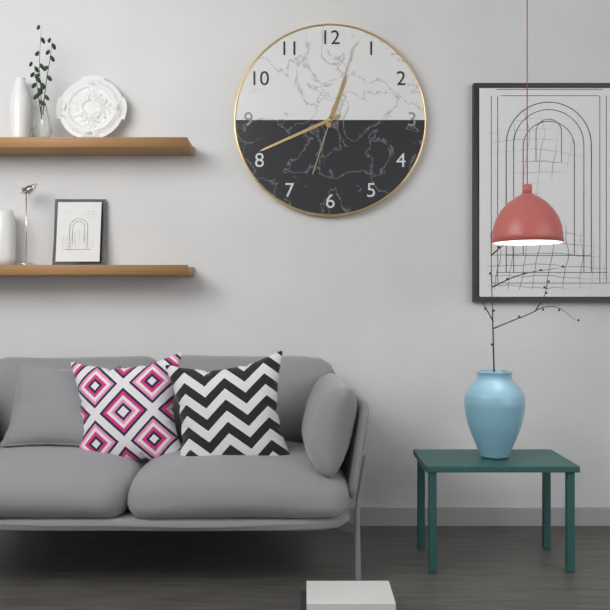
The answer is 12:41:03
